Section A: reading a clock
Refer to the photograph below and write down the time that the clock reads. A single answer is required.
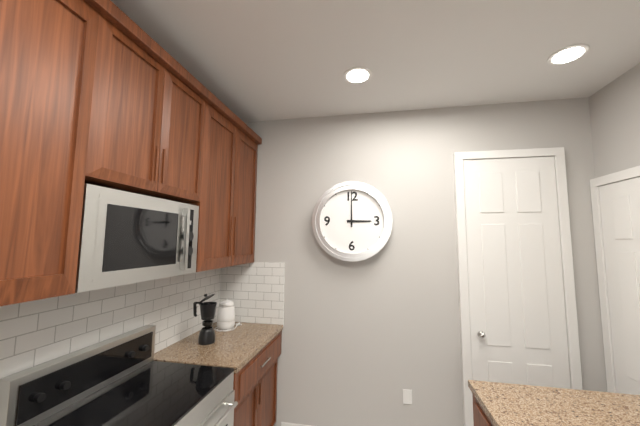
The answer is 3:00
